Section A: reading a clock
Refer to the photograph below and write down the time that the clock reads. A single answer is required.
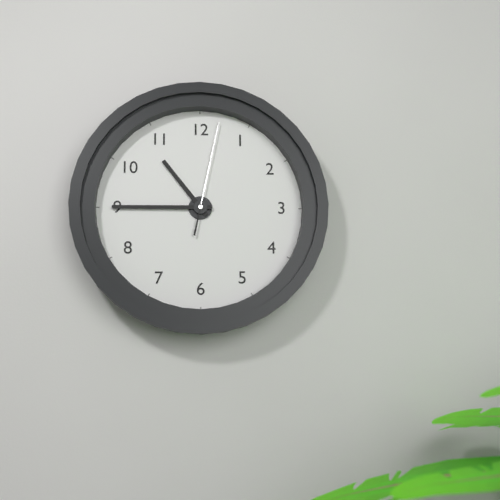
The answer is 10:45:02
